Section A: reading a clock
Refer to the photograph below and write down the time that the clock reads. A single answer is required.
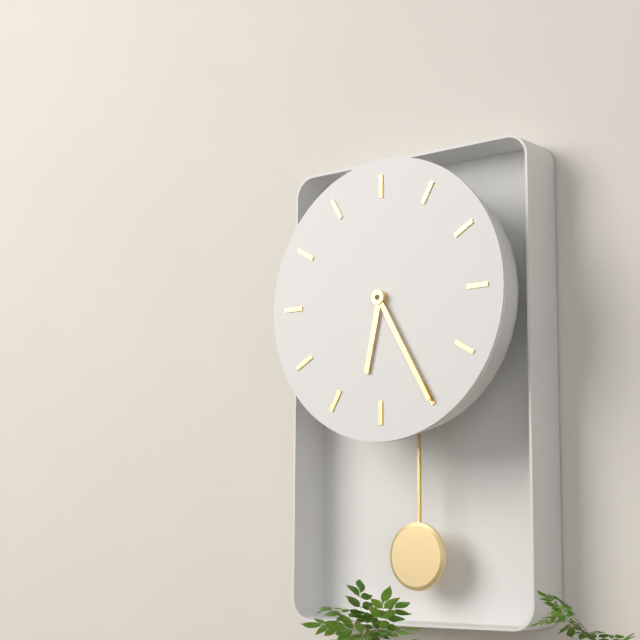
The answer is 6:25
